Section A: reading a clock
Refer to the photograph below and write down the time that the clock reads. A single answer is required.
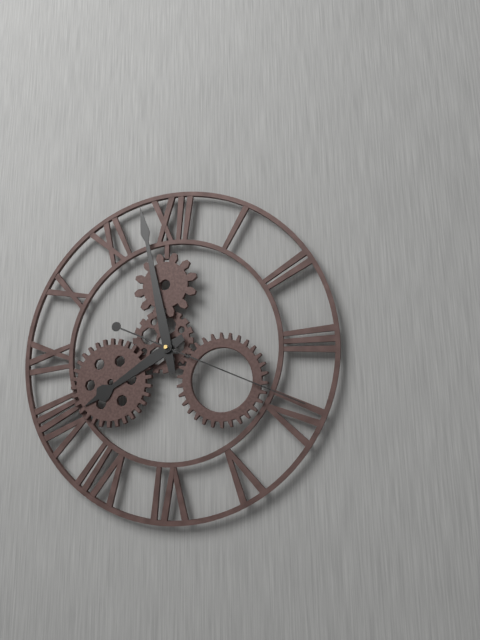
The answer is 7:58:19
